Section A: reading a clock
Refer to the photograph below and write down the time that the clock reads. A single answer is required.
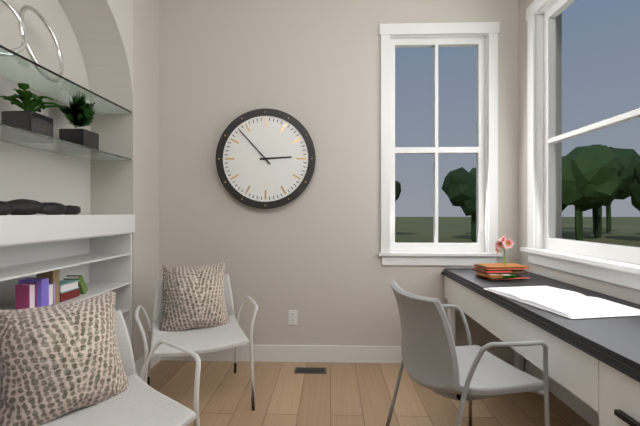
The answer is 2:53
